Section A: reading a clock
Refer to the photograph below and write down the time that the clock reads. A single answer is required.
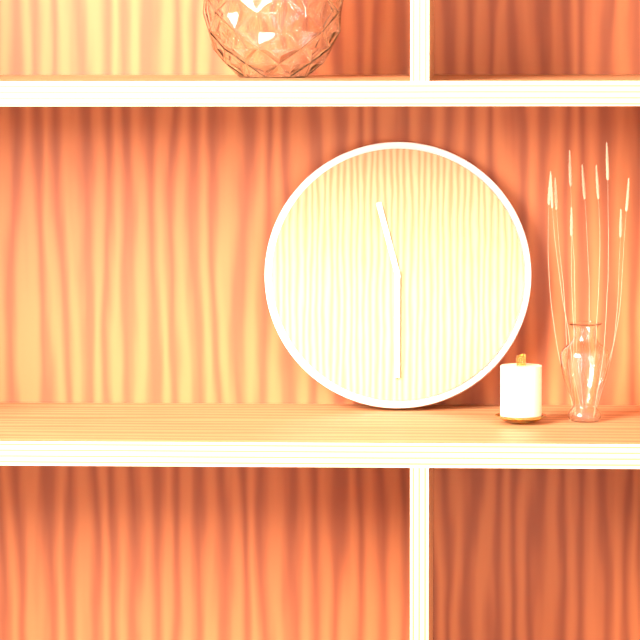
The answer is 11:30
